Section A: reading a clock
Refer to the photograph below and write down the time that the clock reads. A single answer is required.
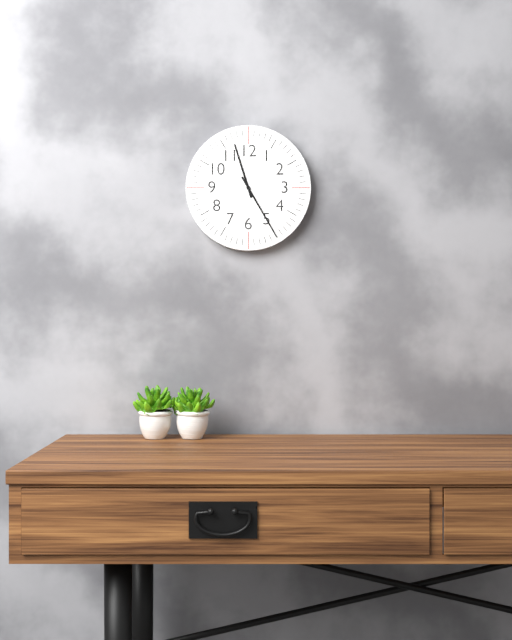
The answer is 11:25
